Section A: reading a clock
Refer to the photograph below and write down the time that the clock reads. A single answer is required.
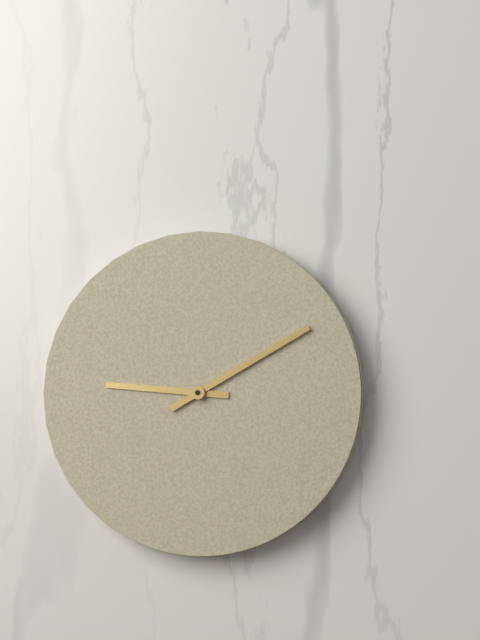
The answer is 9:10
